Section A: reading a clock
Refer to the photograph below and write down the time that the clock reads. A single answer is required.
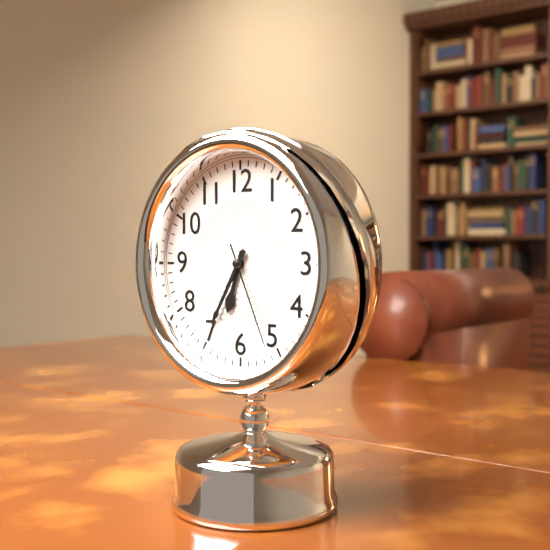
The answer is 6:35:26
